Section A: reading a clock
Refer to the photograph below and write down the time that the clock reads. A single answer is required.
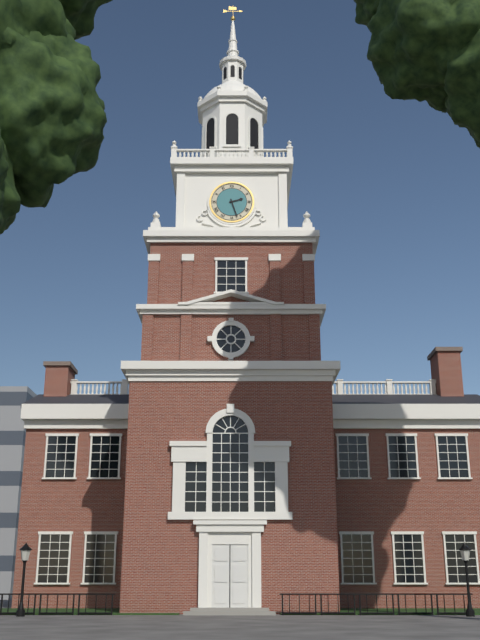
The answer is 2:27
